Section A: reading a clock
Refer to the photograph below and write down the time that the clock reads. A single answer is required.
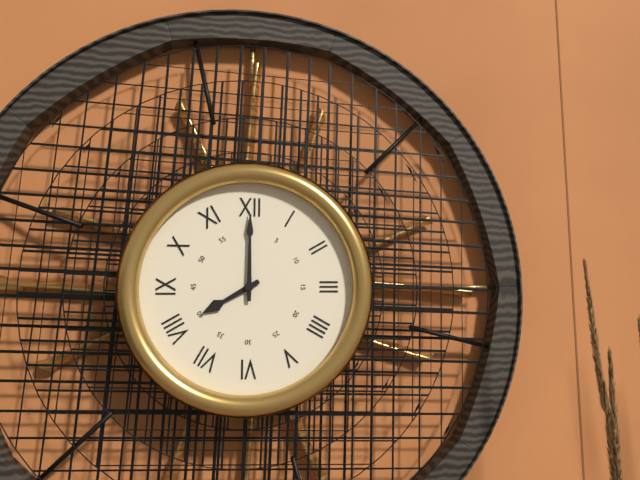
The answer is 8:00
